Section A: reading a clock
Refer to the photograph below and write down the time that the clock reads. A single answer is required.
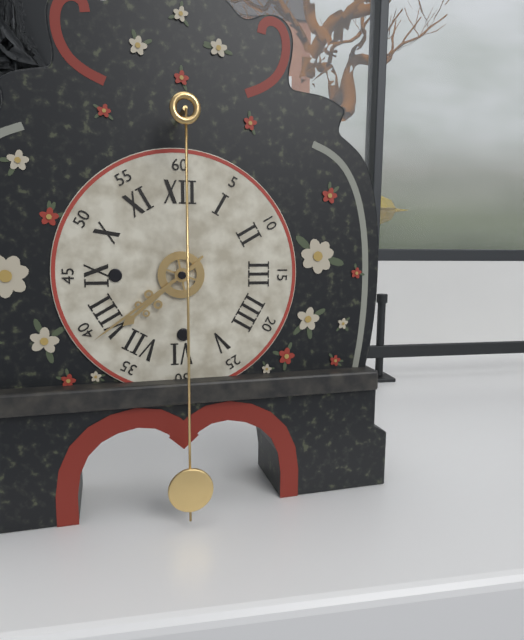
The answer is 7:39
